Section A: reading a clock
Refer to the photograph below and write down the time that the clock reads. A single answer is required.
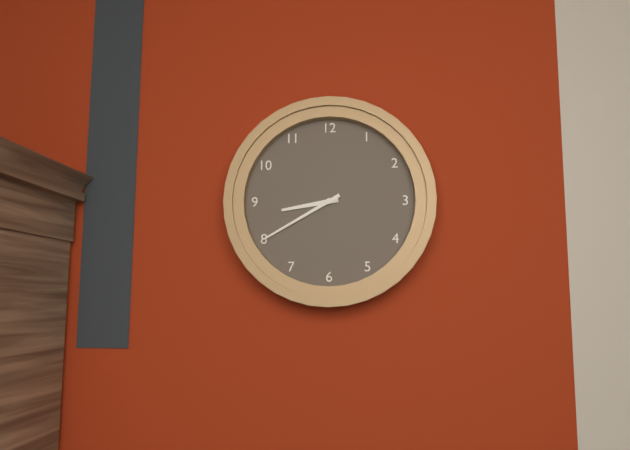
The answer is 8:40
